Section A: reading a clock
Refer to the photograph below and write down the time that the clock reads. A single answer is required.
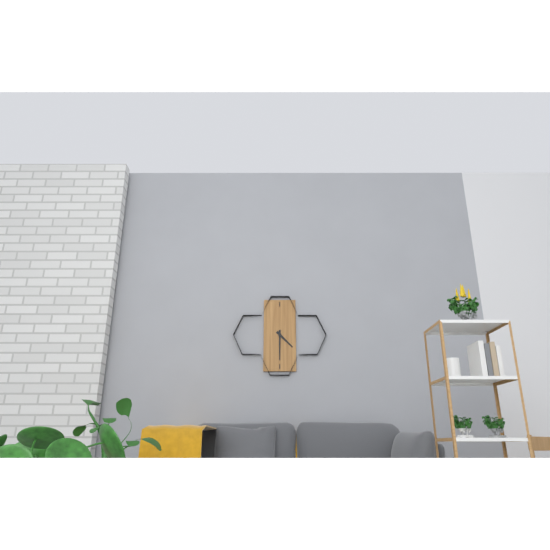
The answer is 4:30
